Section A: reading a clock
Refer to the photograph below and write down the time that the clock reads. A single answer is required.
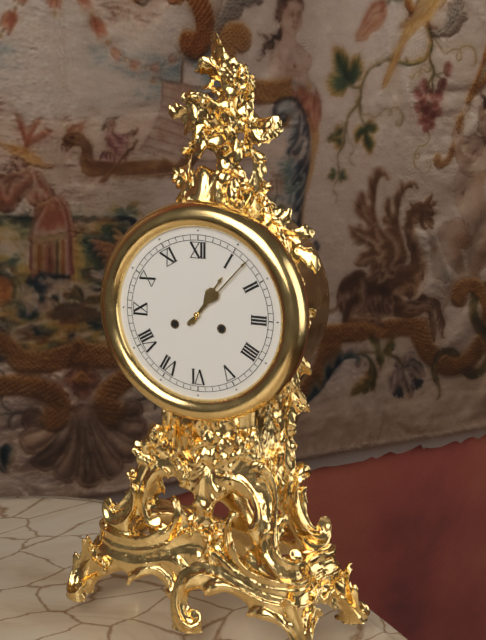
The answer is 1:07
